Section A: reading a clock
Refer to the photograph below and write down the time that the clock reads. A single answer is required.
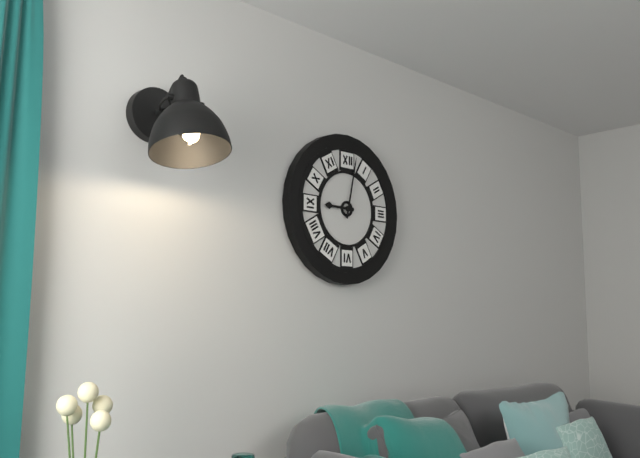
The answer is 9:02
